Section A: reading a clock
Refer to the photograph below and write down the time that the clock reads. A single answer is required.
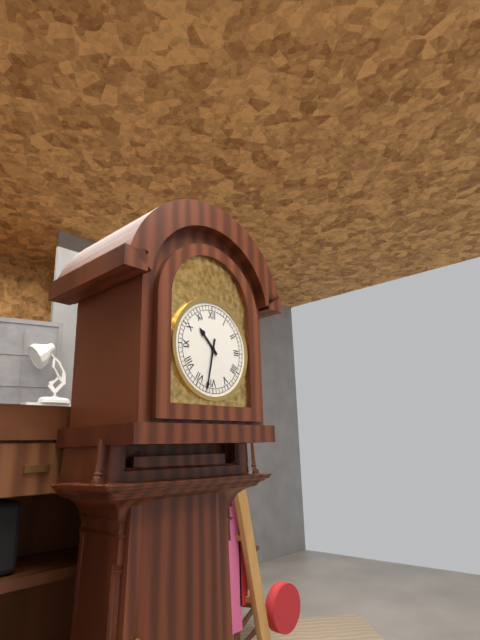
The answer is 10:32
